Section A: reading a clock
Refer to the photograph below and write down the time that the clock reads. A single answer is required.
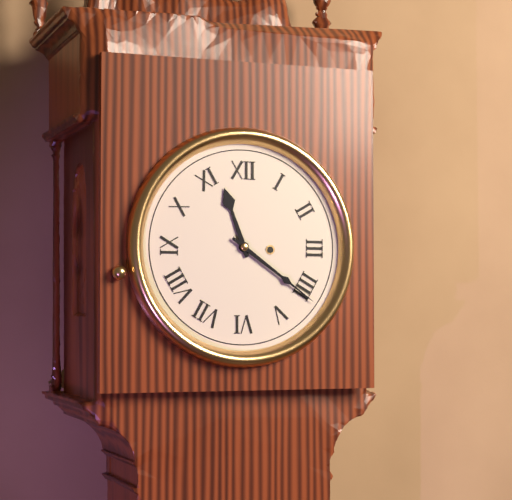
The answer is 11:21
